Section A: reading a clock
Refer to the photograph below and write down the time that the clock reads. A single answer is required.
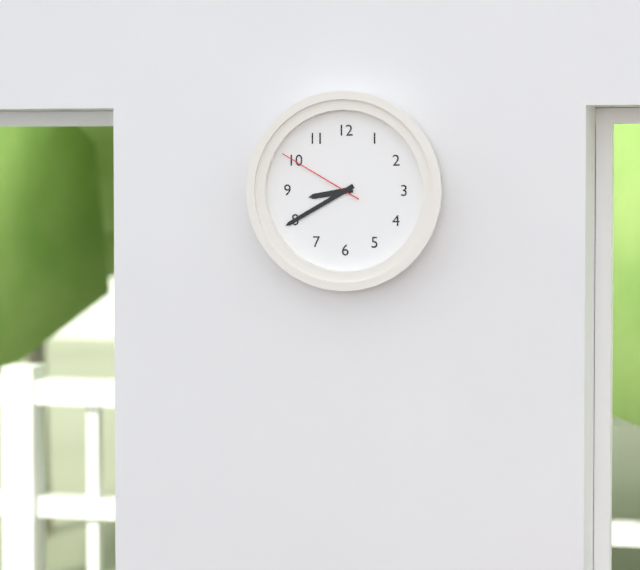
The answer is 8:40:50
